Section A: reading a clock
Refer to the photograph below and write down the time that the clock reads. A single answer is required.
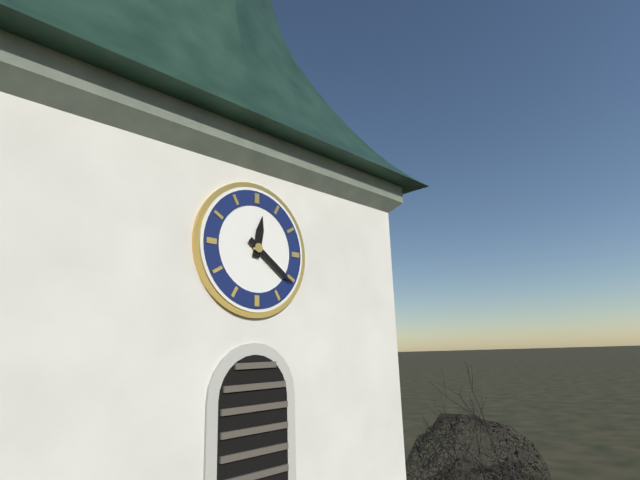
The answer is 12:21
